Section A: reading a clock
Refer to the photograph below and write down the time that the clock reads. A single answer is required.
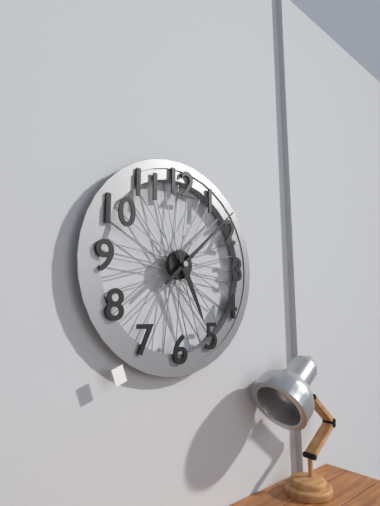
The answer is 5:08
